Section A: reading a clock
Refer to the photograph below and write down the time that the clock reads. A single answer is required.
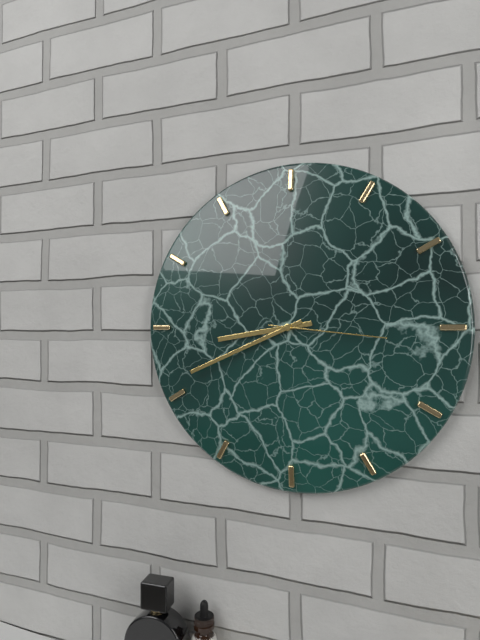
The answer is 8:41:16
